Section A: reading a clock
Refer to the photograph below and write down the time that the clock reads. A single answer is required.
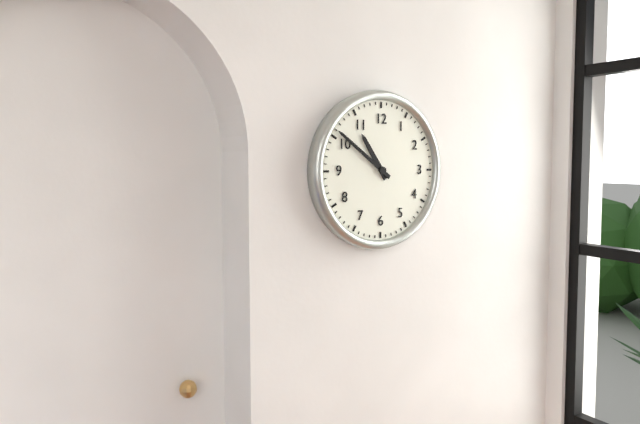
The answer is 10:51
